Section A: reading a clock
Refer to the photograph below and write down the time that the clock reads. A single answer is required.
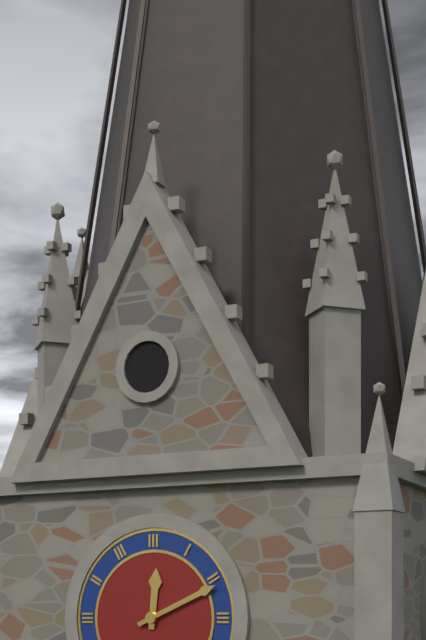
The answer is 12:11
